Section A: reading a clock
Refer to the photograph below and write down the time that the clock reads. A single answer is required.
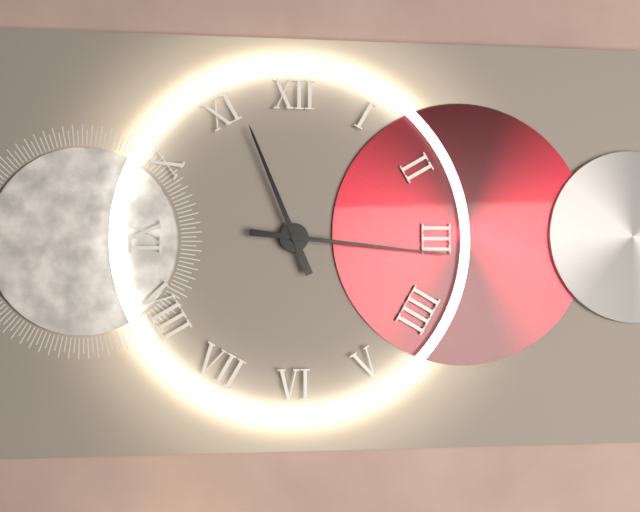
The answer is 11:16
